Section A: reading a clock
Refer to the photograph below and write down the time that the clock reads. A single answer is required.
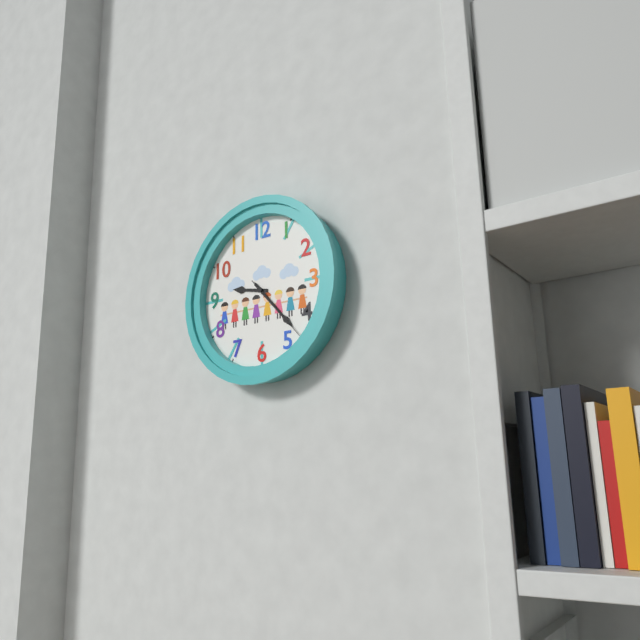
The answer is 9:23:23
